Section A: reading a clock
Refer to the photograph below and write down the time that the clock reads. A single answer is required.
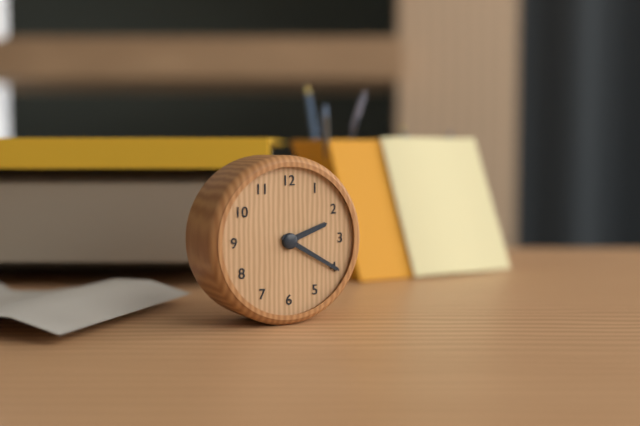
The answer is 2:20
